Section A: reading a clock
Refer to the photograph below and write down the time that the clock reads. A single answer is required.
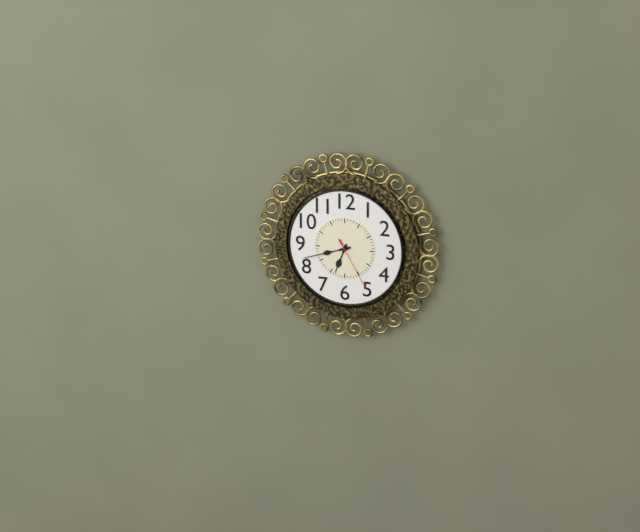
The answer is 6:42:25
